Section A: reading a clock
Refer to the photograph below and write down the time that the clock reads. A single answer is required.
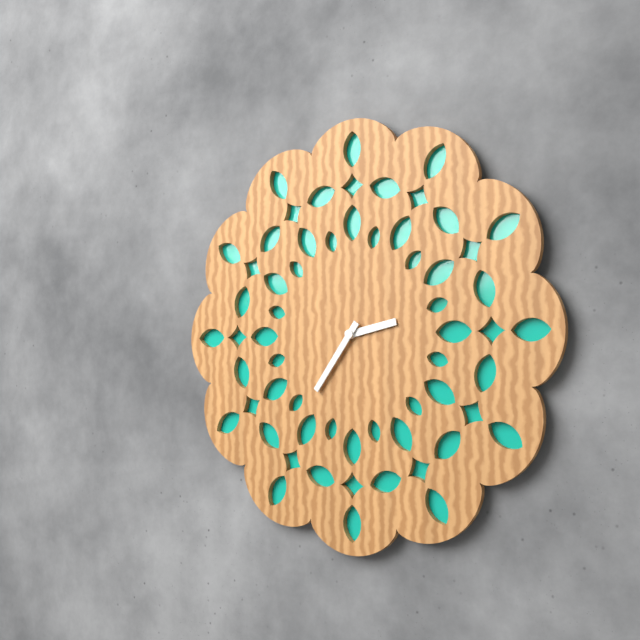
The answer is 2:36
